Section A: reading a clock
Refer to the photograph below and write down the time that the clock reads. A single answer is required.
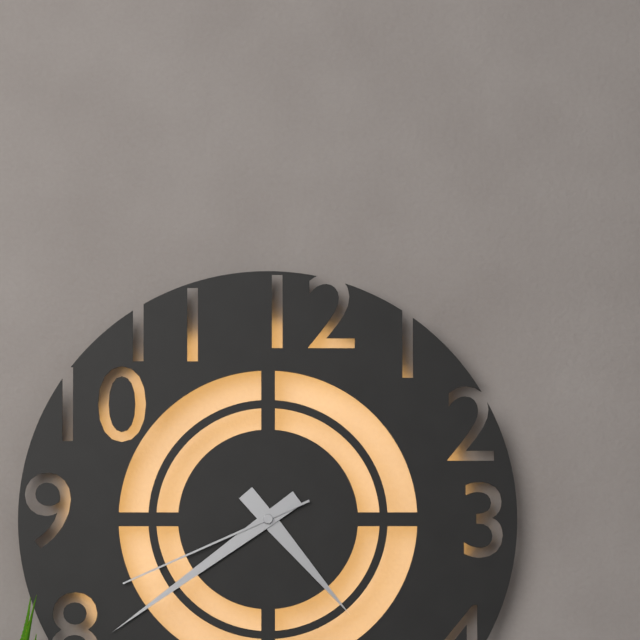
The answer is 4:39:41
